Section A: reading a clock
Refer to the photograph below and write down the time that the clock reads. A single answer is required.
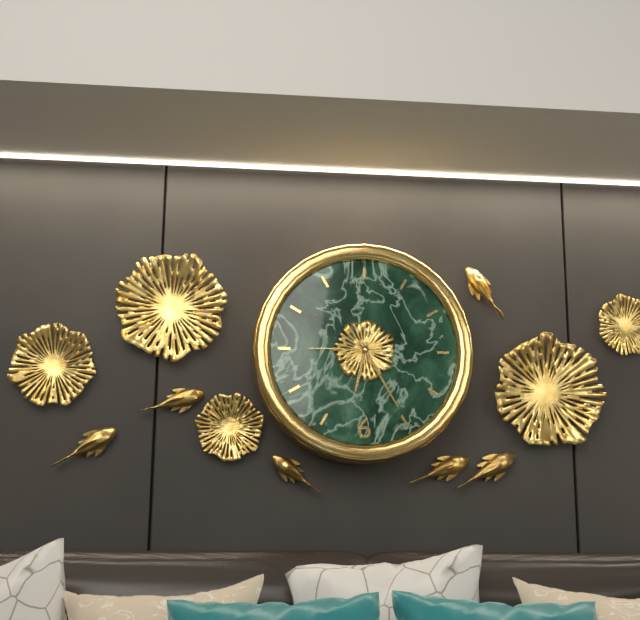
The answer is 6:25:45
